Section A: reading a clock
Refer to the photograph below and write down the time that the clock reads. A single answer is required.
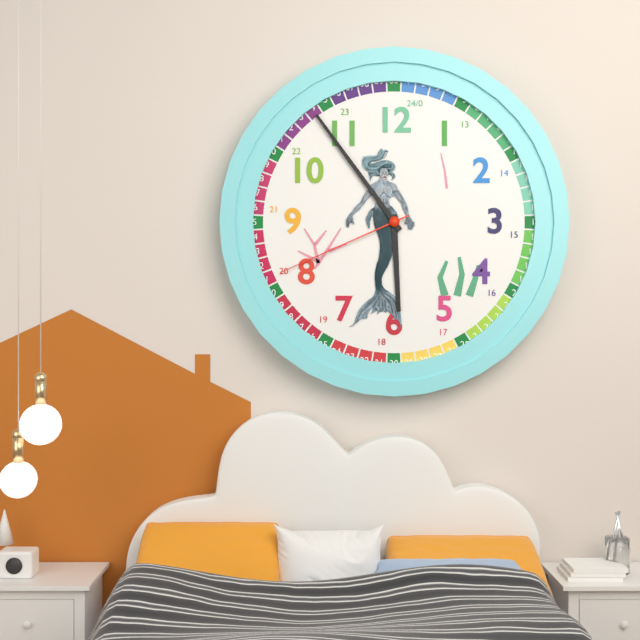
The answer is 5:54:41
